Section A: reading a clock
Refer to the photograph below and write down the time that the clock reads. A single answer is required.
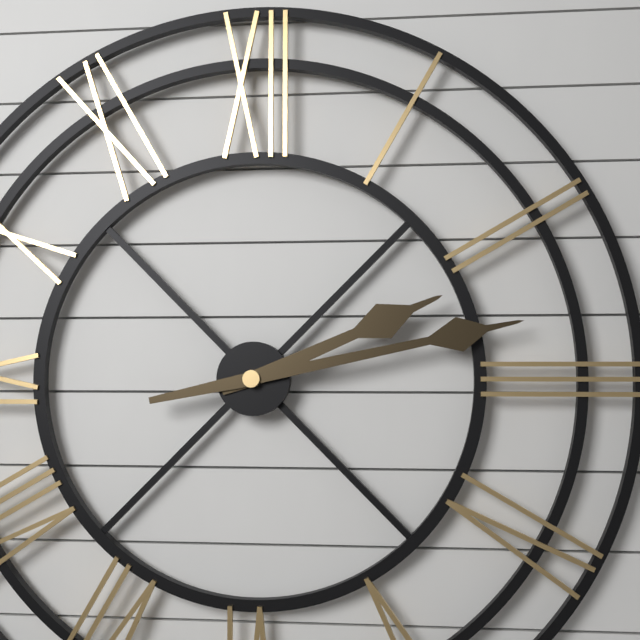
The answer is 2:13
